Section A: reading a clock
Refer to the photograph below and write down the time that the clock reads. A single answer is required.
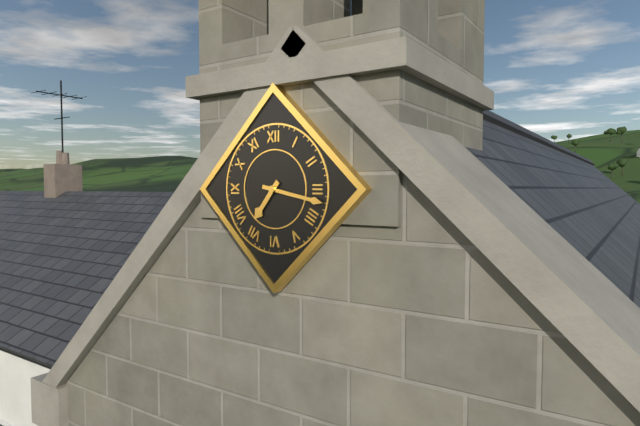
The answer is 7:17
